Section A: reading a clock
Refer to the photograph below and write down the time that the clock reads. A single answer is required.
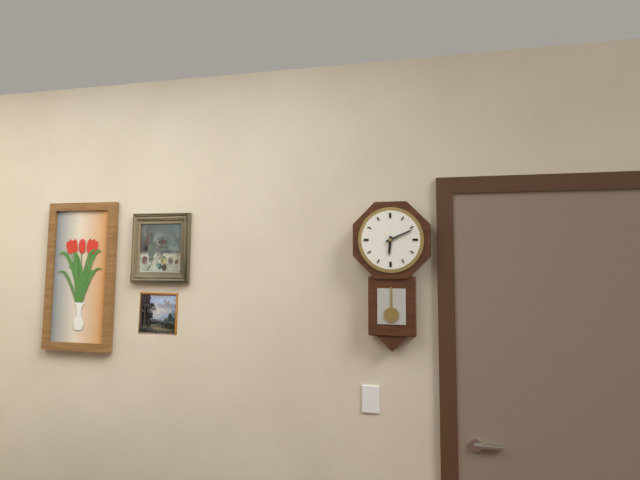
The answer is 6:11
